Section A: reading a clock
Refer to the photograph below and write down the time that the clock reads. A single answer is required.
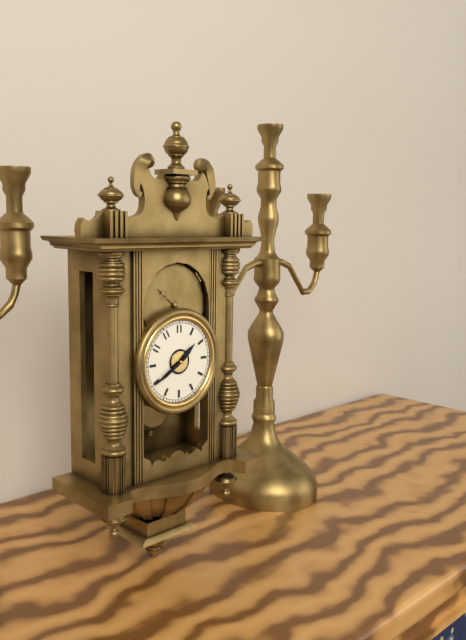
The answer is 1:40
